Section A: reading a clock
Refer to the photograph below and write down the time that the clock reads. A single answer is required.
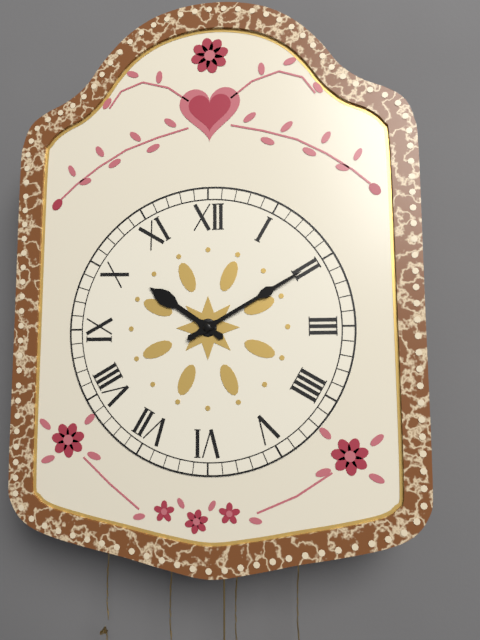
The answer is 10:10
